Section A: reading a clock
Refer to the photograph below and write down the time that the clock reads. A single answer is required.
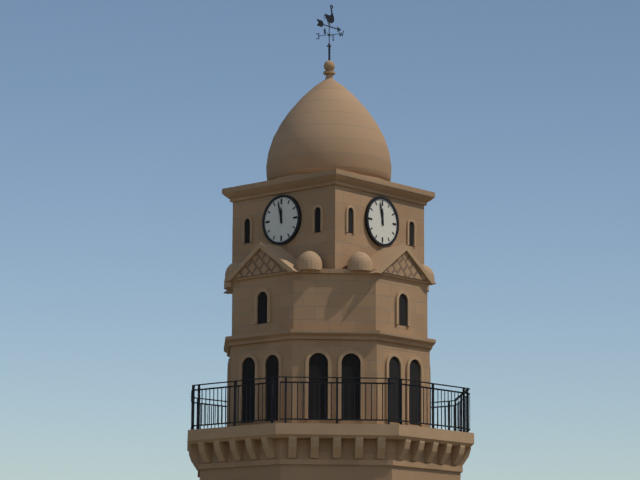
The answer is 11:58
